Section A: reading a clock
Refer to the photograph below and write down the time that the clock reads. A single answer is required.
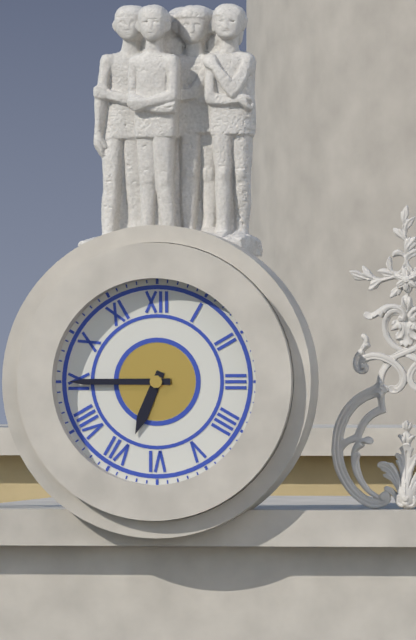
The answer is 6:45
